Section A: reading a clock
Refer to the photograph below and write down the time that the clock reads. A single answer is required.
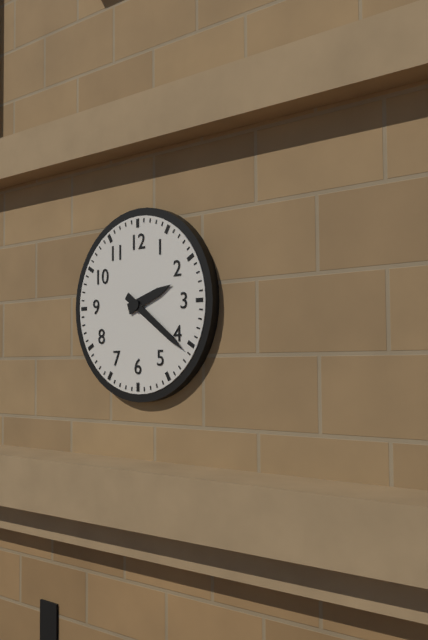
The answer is 2:21
